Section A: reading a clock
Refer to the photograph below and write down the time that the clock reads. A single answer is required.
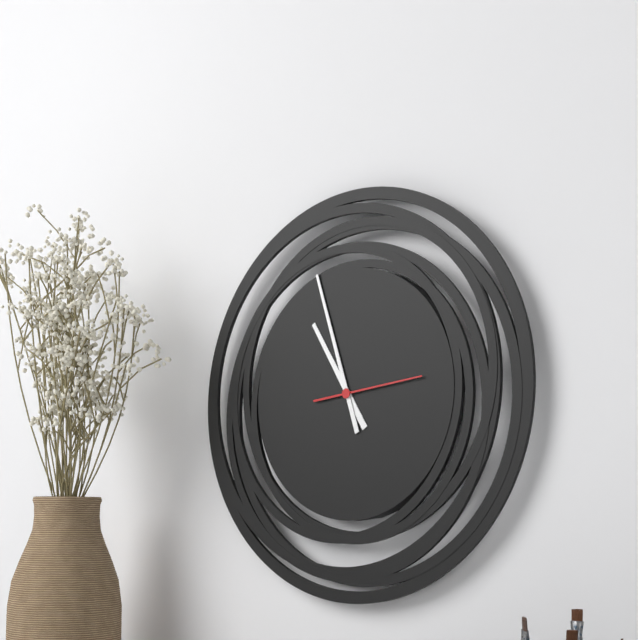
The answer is 10:57:14
